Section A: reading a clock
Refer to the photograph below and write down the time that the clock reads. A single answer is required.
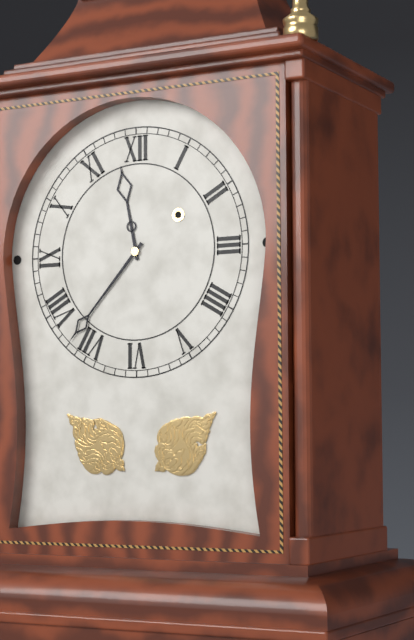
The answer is 11:37
